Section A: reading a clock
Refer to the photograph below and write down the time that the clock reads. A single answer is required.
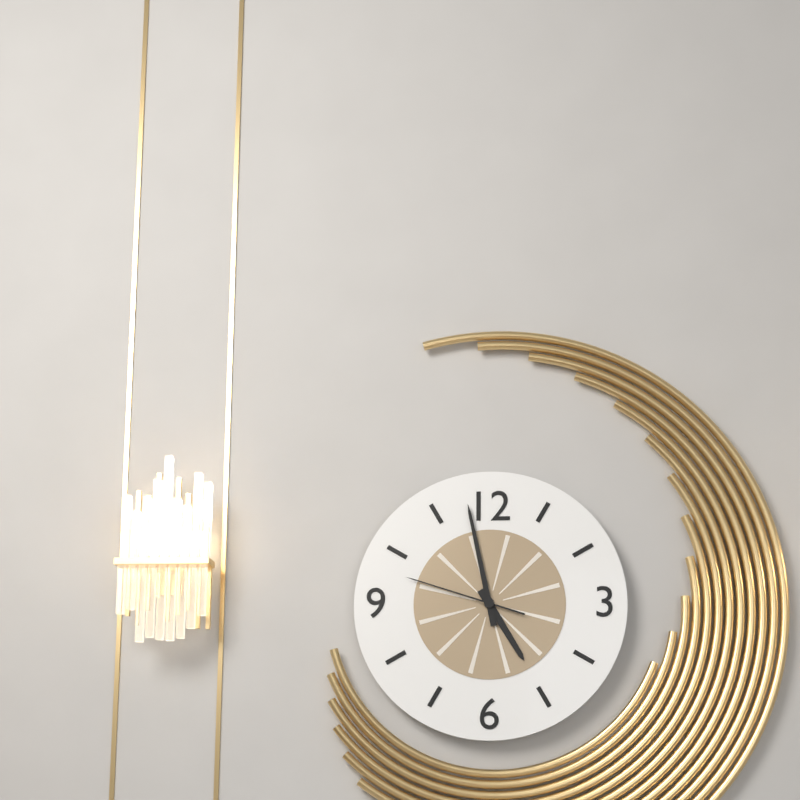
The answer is 4:58:48
